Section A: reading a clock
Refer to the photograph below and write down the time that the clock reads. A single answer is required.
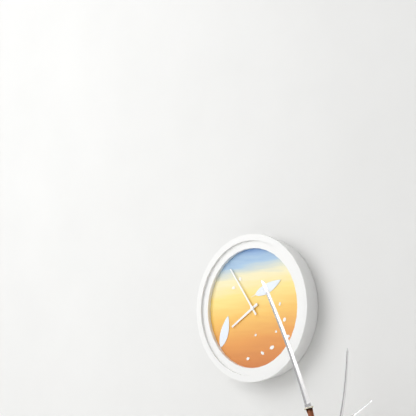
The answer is 7:54
